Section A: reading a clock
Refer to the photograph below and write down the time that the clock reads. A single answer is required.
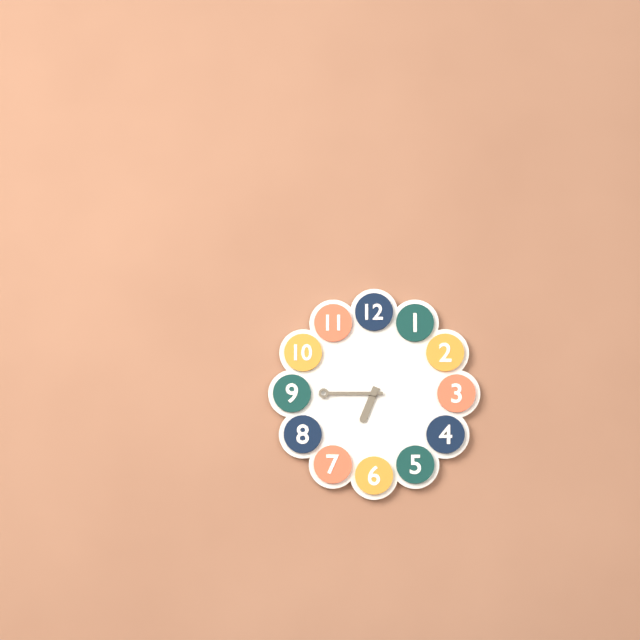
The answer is 6:45
